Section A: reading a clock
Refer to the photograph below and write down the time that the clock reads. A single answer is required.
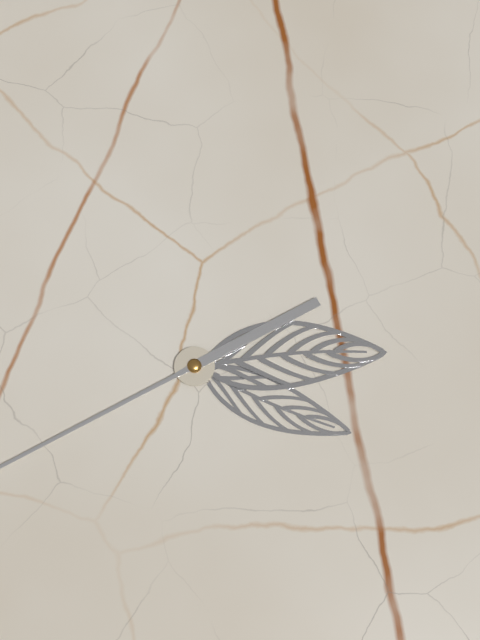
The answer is 9:44
